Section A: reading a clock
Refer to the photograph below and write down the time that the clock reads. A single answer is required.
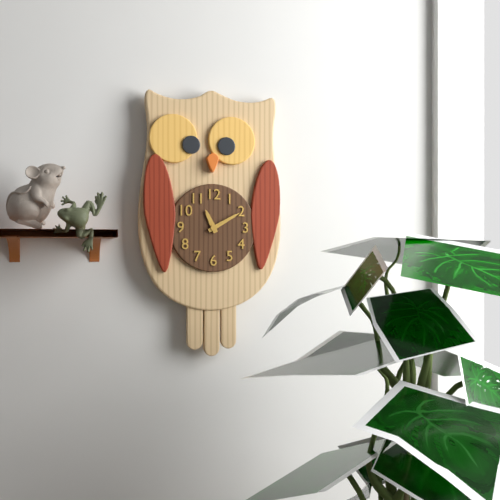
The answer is 11:10
